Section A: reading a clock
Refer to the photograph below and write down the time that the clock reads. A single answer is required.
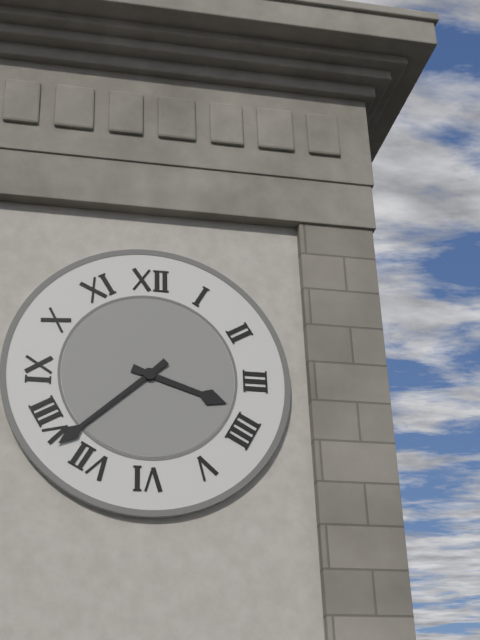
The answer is 3:38
